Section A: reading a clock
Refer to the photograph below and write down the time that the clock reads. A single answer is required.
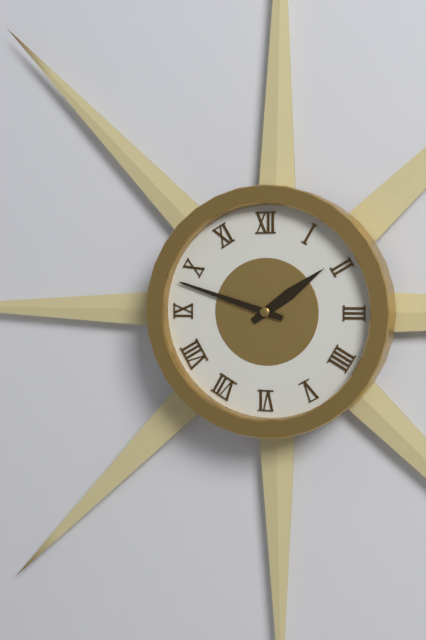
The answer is 1:48
